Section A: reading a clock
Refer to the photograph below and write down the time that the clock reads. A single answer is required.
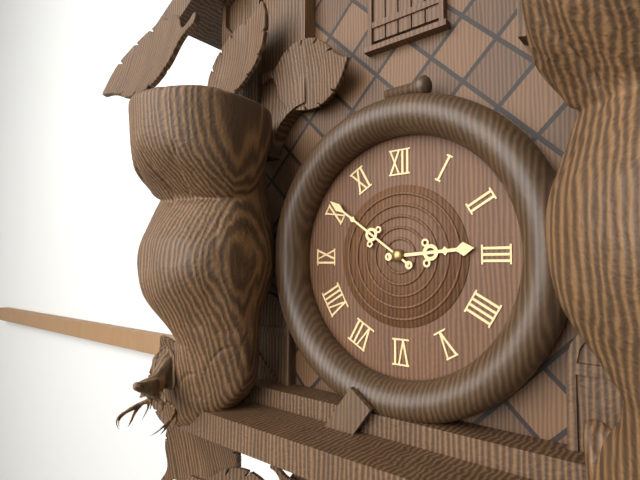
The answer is 2:51
